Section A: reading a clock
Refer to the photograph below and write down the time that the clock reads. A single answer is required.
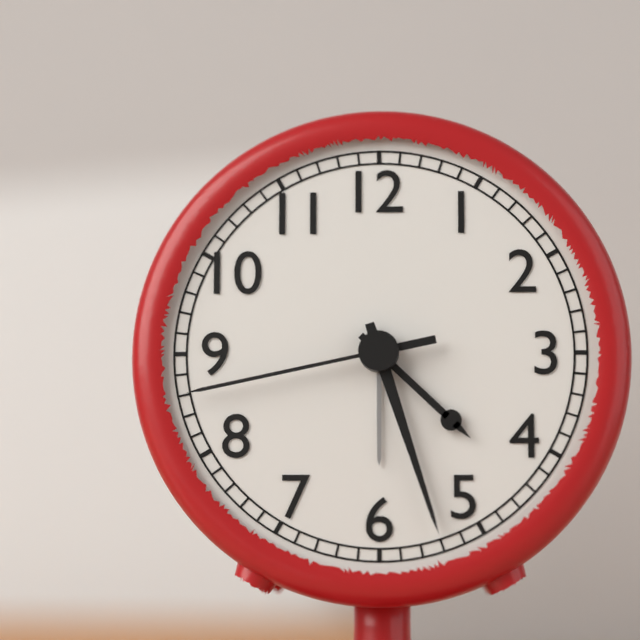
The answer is 4:27:43
